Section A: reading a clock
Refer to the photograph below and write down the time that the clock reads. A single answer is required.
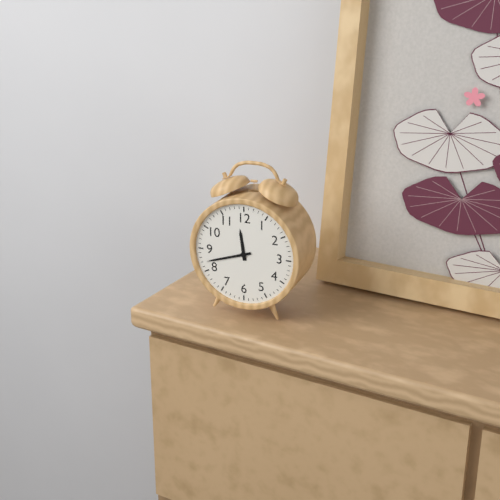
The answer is 11:42
